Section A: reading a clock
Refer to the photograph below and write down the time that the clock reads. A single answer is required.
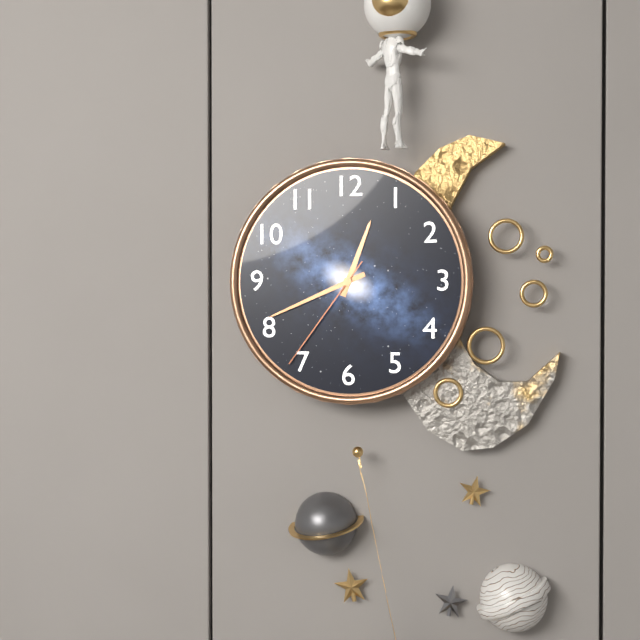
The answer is 12:41:36
